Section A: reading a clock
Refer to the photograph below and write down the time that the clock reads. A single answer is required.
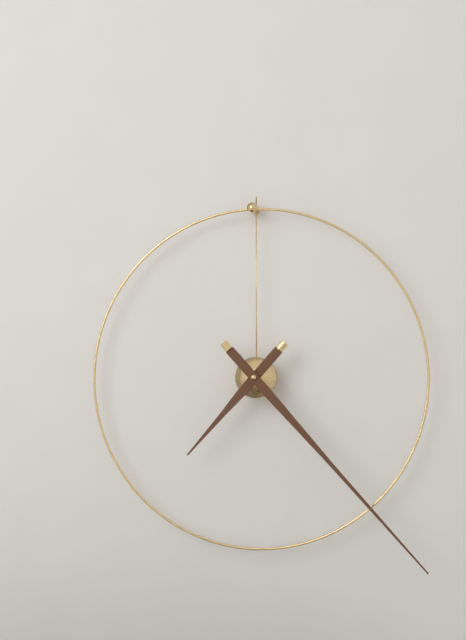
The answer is 7:23
